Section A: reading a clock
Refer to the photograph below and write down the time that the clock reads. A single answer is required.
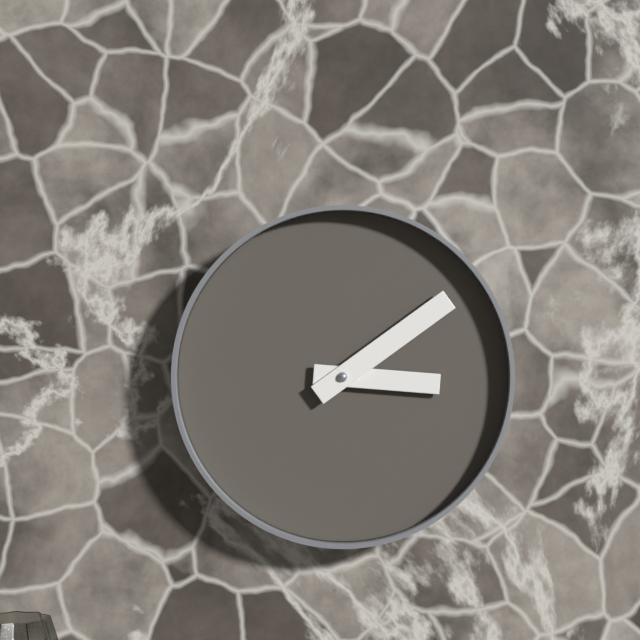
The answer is 3:09
